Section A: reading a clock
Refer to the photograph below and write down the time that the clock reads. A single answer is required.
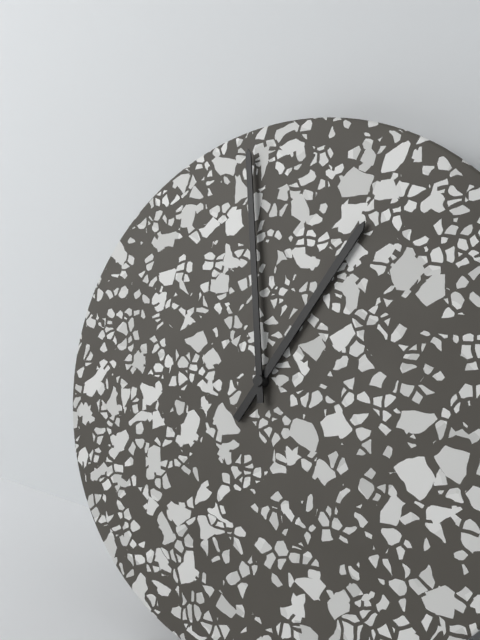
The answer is 12:58
